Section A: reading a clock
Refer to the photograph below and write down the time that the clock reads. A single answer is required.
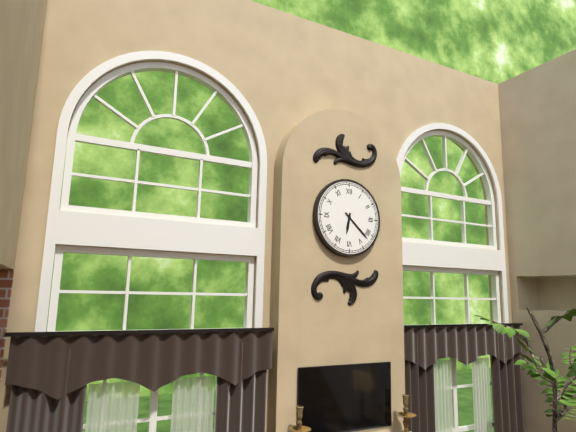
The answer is 6:22
